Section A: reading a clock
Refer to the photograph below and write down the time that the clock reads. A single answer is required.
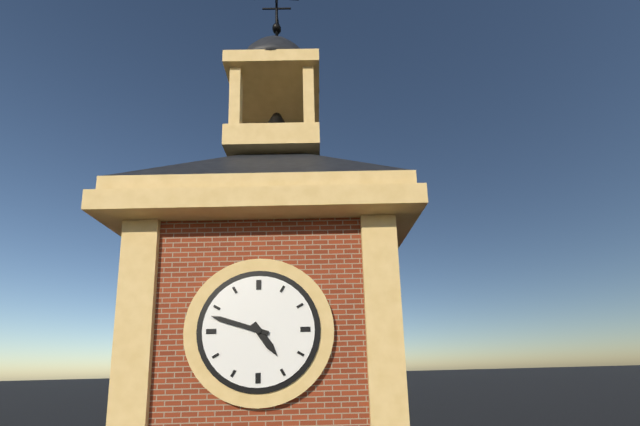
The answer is 4:48
